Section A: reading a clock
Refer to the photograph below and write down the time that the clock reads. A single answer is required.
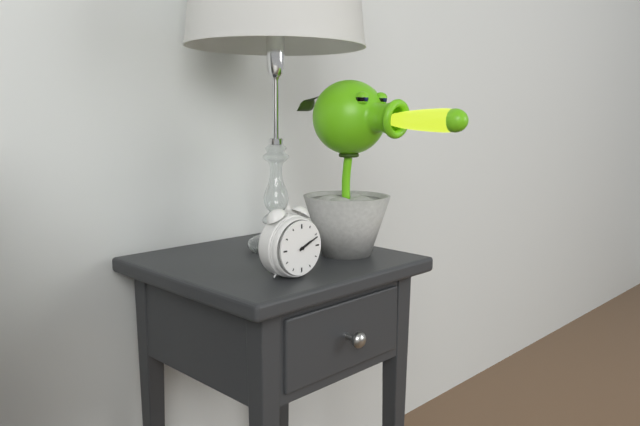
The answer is 2:11
